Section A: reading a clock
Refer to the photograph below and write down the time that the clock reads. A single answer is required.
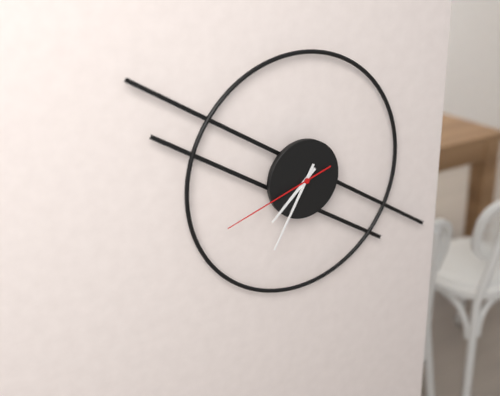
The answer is 7:35:42
